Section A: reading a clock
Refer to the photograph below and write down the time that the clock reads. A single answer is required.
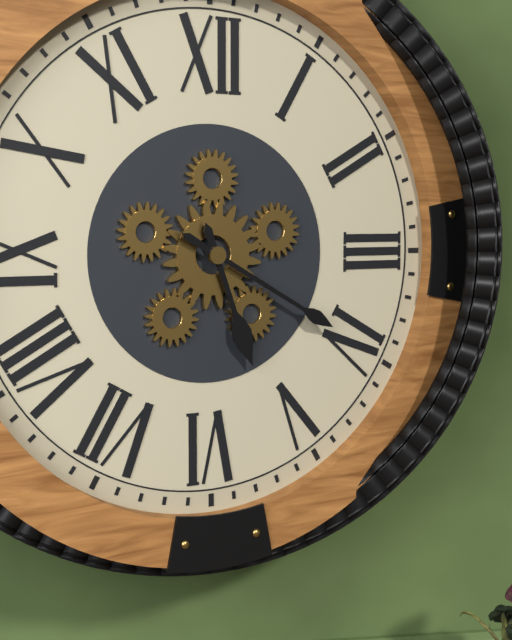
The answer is 5:20
